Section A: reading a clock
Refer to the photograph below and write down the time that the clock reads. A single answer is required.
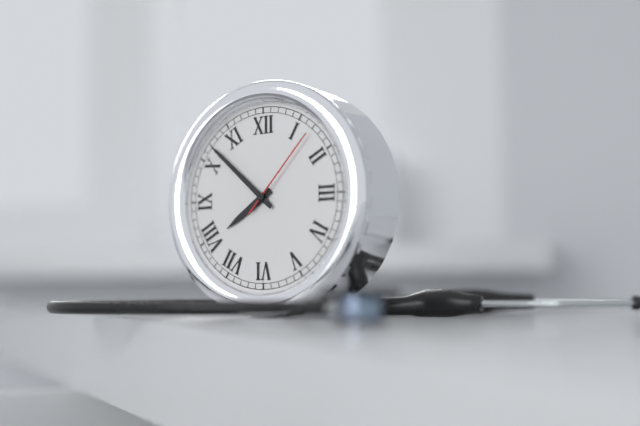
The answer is 7:52:07
